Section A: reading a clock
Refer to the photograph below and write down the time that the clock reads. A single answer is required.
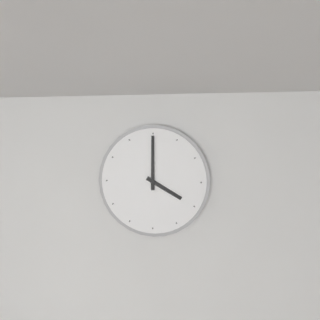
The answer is 4:00
